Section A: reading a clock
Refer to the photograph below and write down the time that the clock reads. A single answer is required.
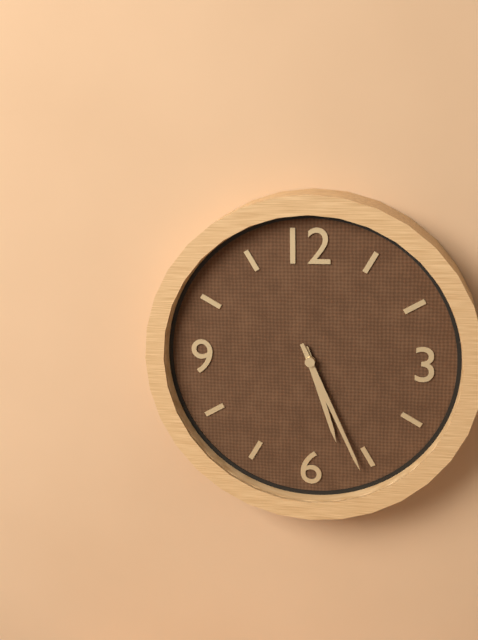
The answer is 5:26
